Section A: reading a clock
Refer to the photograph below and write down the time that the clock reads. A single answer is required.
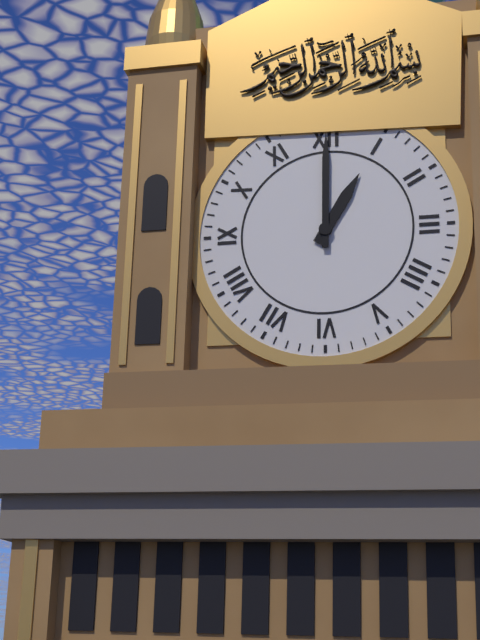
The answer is 1:00
